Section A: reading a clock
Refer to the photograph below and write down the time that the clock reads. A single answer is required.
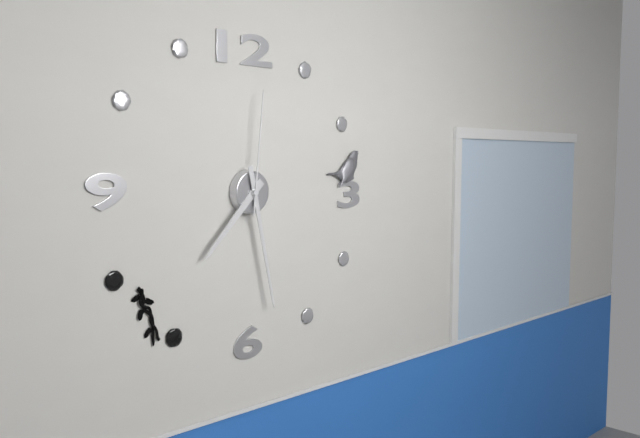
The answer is 7:28:01
